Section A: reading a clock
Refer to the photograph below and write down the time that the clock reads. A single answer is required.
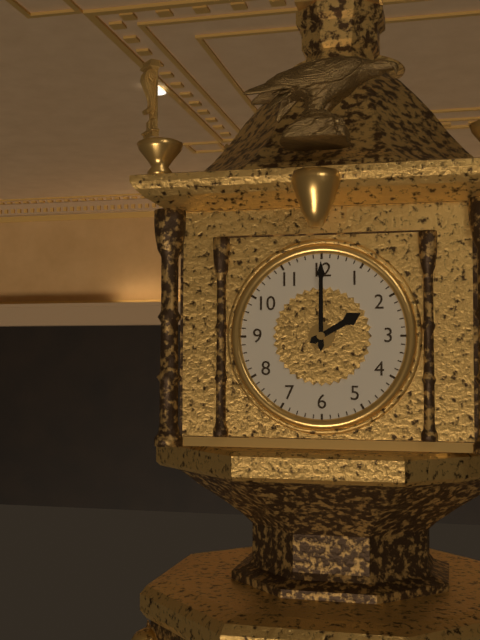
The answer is 2:00
